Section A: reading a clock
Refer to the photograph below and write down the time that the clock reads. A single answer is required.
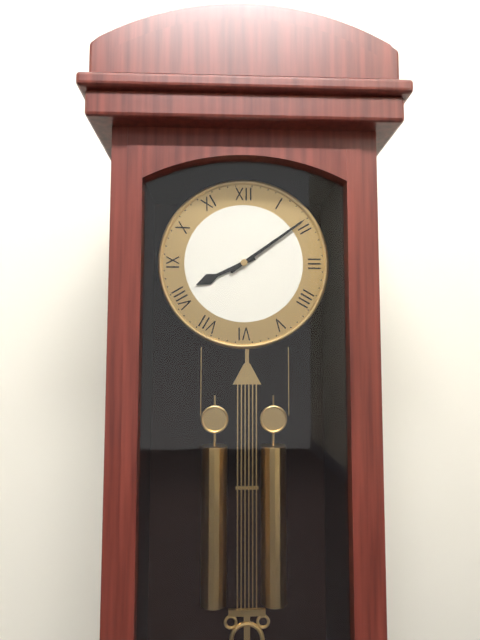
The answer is 8:09
